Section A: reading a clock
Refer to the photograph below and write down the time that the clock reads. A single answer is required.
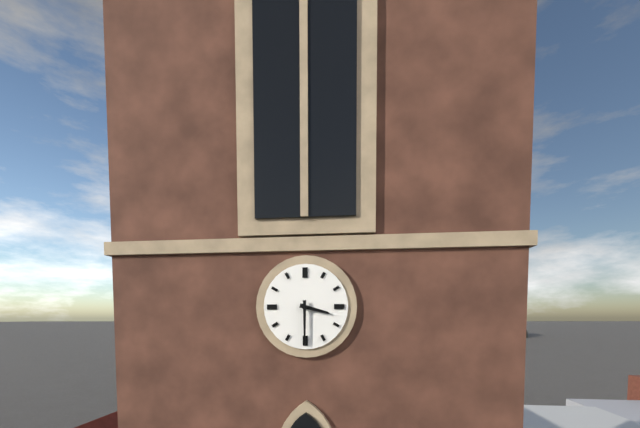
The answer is 3:30
